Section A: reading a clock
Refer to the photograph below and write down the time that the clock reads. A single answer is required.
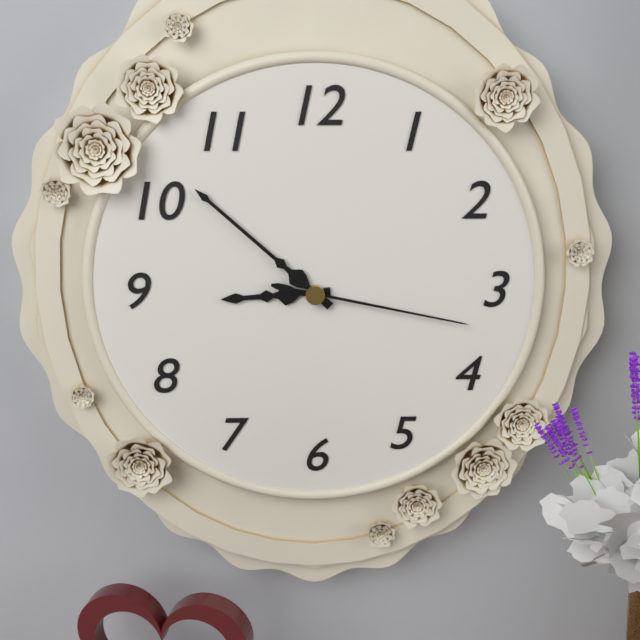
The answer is 8:52:17
